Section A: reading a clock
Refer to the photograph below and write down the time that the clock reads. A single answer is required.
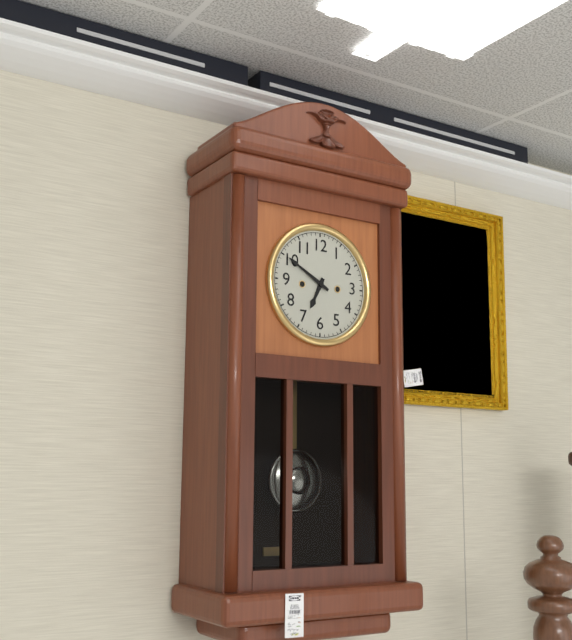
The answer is 6:50
